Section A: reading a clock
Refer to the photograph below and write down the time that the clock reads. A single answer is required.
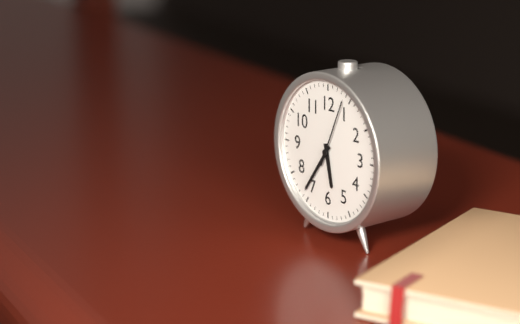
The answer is 5:36:04
